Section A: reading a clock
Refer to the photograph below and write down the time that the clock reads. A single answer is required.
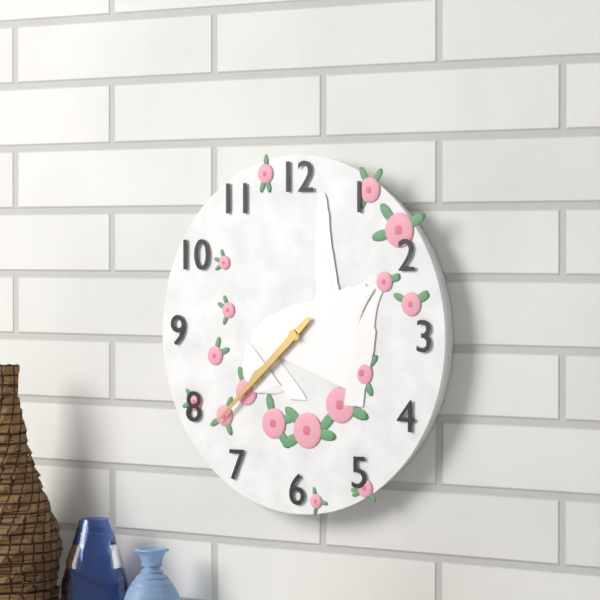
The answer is 7:38
